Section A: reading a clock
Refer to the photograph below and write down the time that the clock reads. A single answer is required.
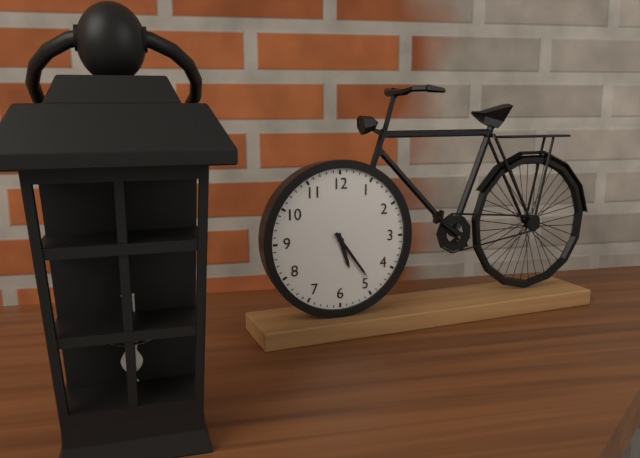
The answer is 5:24
